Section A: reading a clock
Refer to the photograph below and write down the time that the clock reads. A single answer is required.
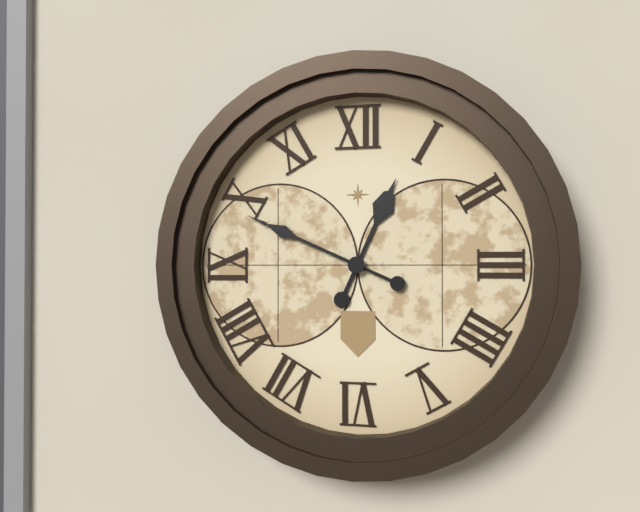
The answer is 12:49
